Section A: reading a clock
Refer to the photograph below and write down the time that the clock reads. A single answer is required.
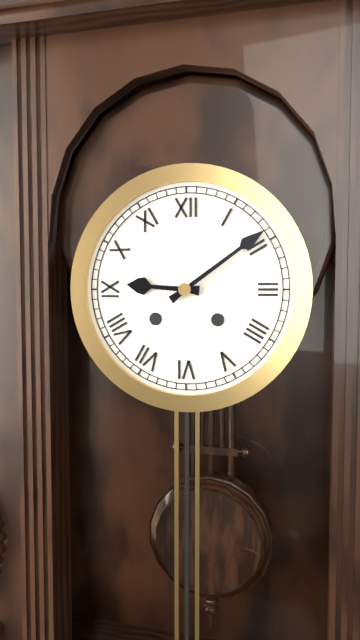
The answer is 9:09
